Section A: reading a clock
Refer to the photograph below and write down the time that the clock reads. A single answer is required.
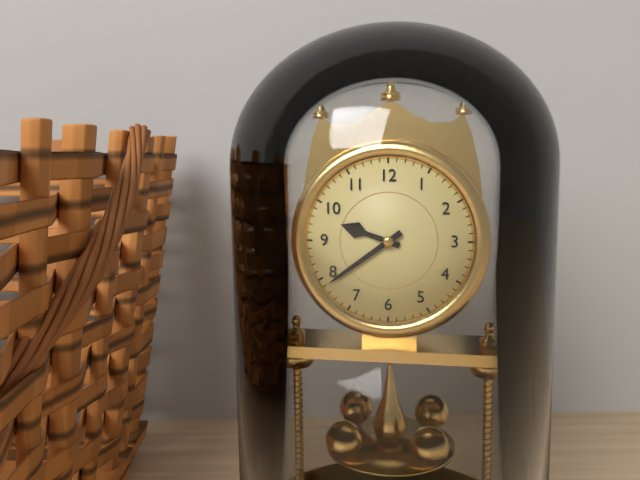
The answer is 9:39
